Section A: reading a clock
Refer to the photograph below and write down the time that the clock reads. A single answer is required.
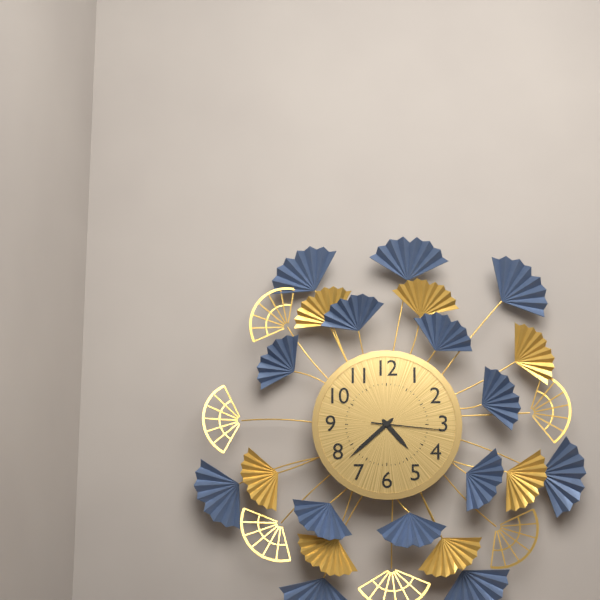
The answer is 4:38:16
